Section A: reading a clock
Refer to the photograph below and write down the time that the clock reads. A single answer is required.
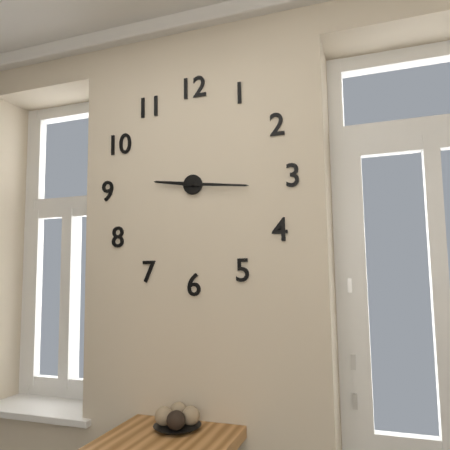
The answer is 9:16
